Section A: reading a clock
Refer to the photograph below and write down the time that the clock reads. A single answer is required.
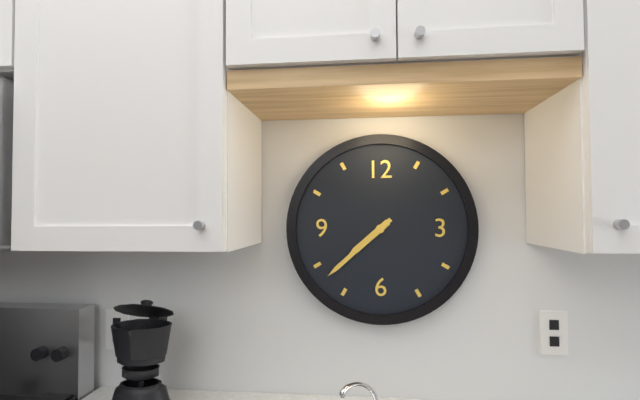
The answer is 7:38
